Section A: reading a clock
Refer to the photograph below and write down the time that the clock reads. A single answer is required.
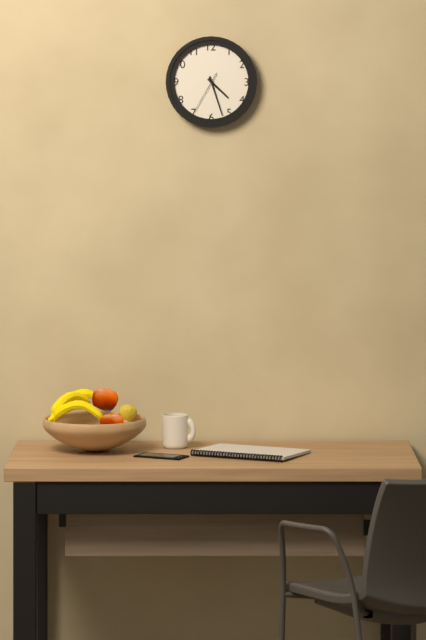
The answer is 4:27
